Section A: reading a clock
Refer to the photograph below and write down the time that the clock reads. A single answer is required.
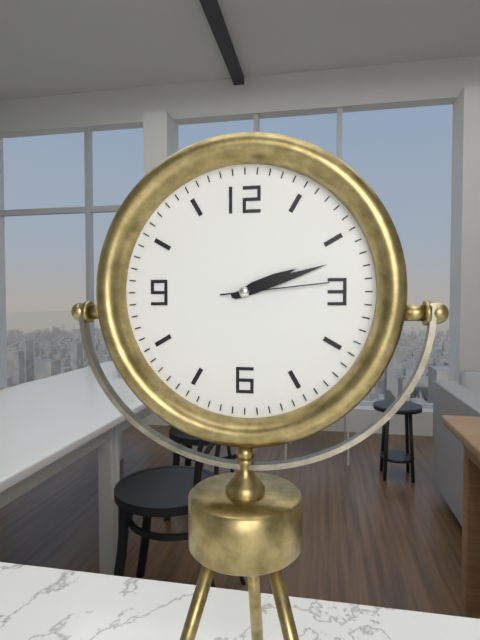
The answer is 2:12:14
